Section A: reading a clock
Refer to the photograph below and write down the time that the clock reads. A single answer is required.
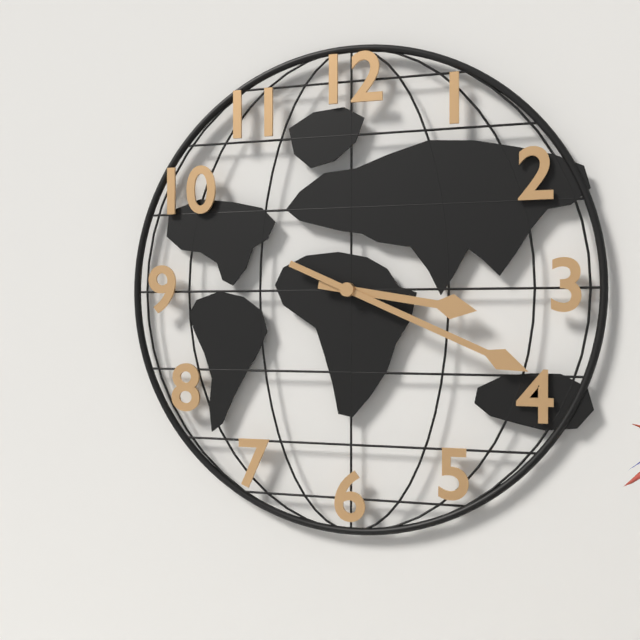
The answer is 3:19
